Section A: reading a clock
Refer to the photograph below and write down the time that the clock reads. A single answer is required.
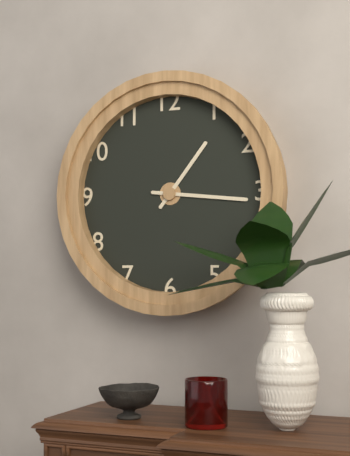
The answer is 1:16
